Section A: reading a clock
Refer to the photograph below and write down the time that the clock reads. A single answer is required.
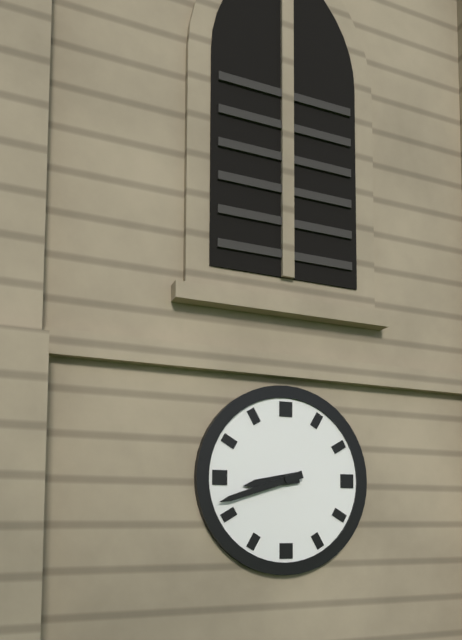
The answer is 8:42
